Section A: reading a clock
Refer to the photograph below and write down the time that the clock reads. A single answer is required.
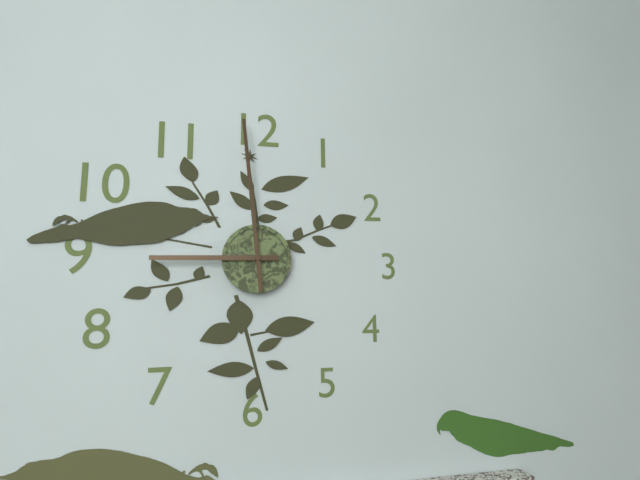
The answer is 8:59
